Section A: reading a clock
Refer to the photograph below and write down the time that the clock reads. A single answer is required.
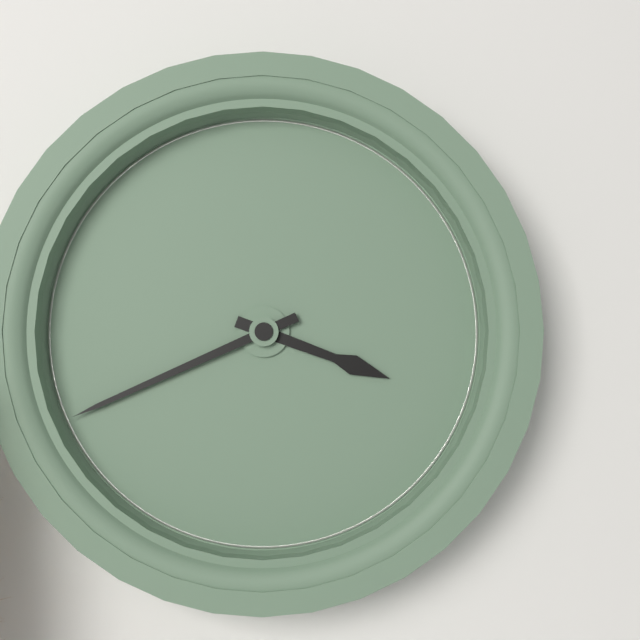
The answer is 3:41
